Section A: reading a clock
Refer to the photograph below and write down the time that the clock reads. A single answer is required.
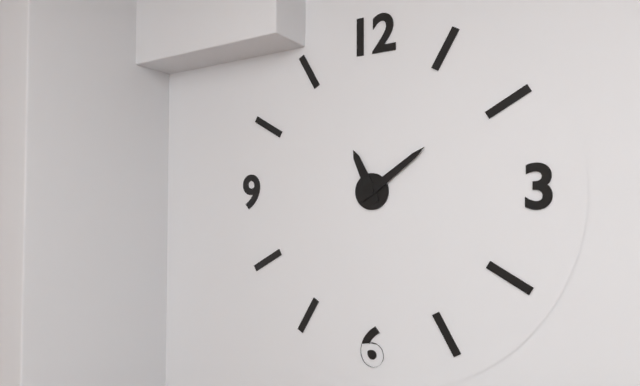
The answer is 11:09
